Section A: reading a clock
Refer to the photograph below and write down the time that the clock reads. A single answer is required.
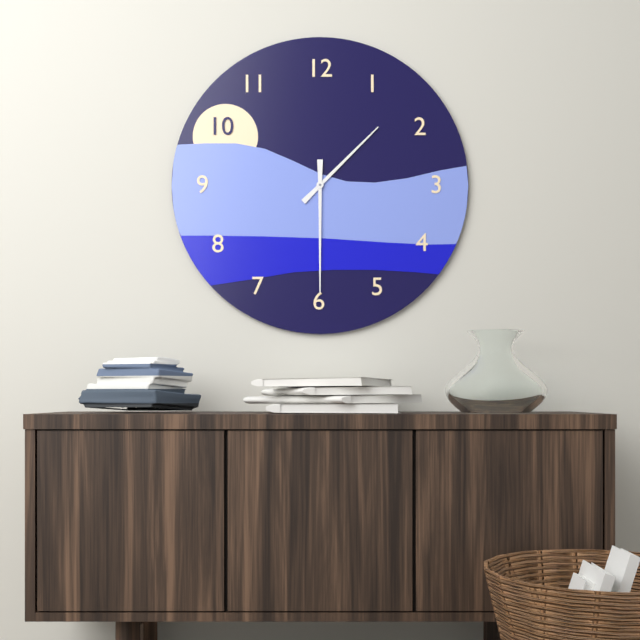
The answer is 1:30
